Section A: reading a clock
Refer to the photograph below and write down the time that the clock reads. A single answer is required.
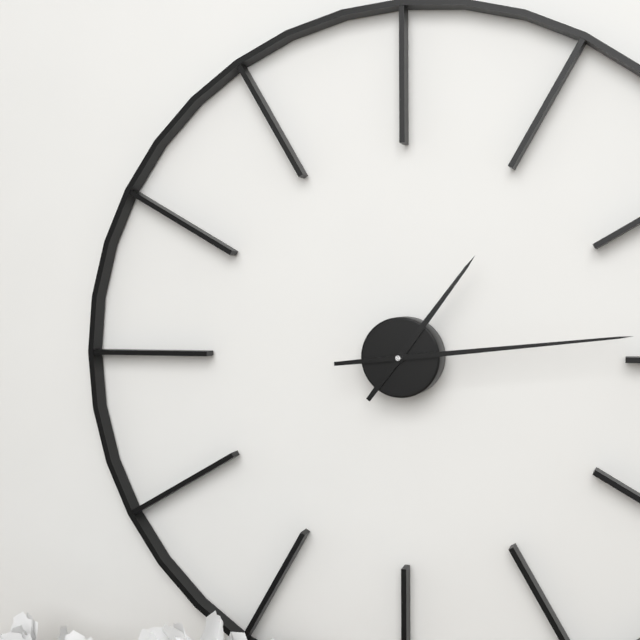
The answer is 1:14
